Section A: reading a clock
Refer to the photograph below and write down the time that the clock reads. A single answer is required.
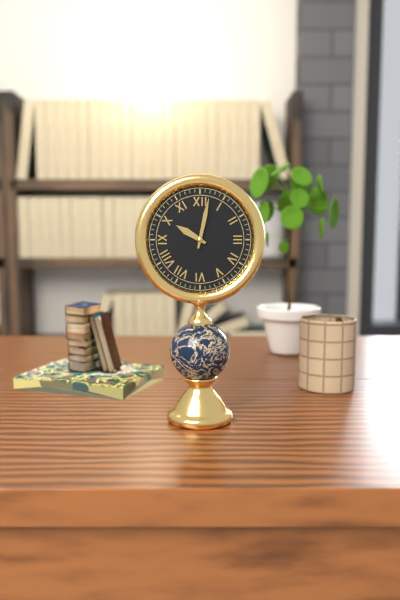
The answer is 10:02
